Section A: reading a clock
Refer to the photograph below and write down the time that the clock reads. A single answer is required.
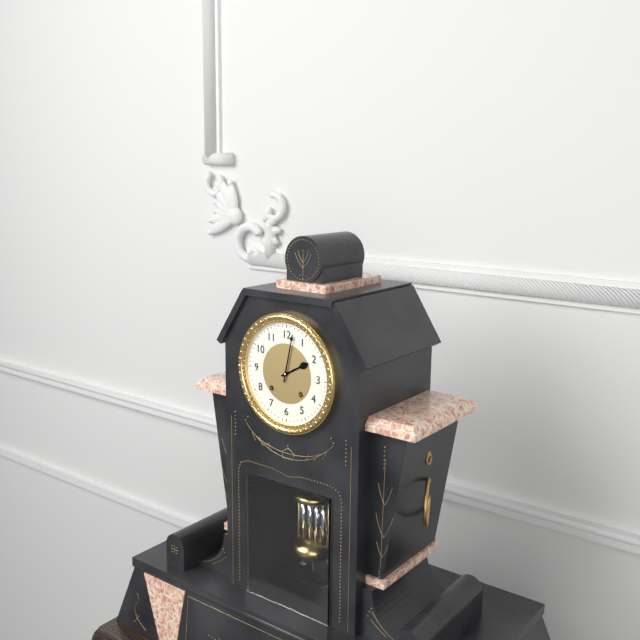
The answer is 2:02
